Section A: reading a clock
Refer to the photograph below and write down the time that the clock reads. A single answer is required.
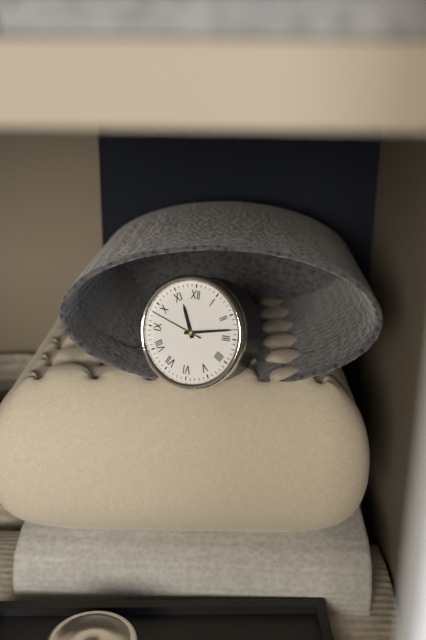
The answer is 11:13:48
